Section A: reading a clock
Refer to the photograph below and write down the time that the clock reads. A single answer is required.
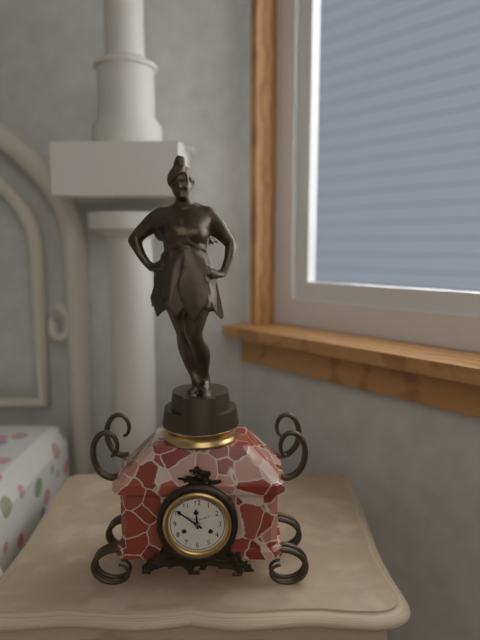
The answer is 11:51
